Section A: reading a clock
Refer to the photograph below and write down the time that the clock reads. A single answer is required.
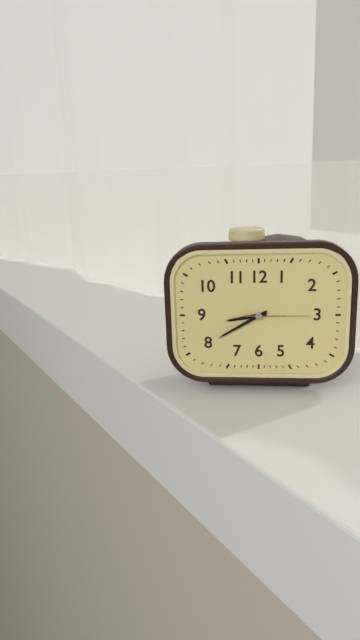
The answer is 8:40:15
